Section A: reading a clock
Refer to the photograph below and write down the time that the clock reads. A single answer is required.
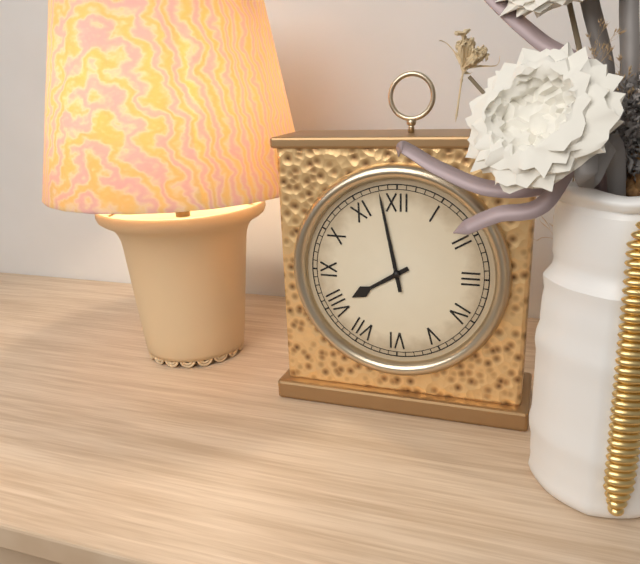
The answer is 7:58
